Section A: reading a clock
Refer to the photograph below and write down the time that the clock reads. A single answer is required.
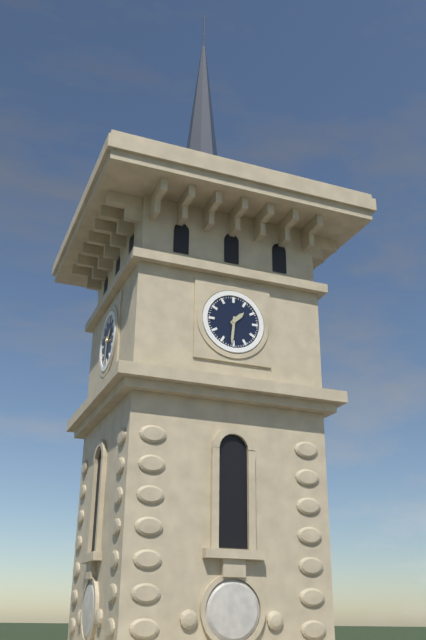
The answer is 1:31
